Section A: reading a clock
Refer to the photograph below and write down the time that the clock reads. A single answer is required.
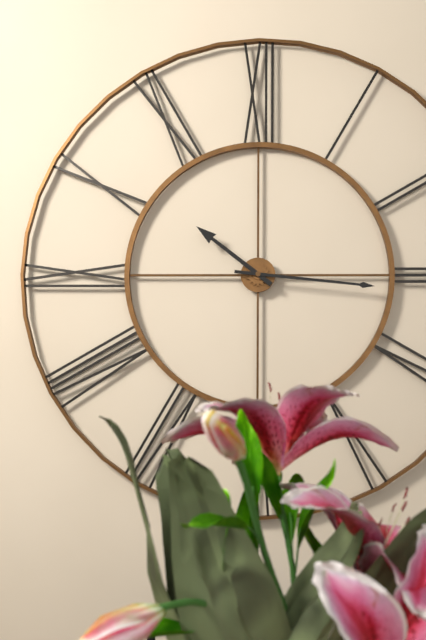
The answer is 10:16
